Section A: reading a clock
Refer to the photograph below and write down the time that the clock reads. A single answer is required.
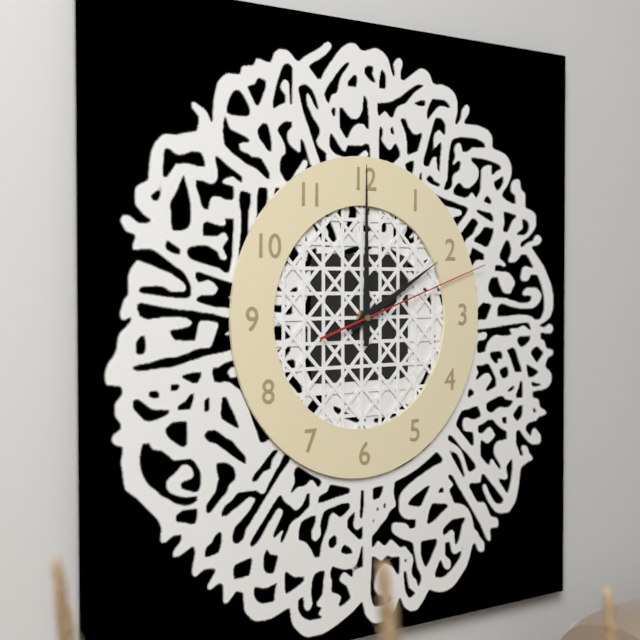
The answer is 2:00:12
